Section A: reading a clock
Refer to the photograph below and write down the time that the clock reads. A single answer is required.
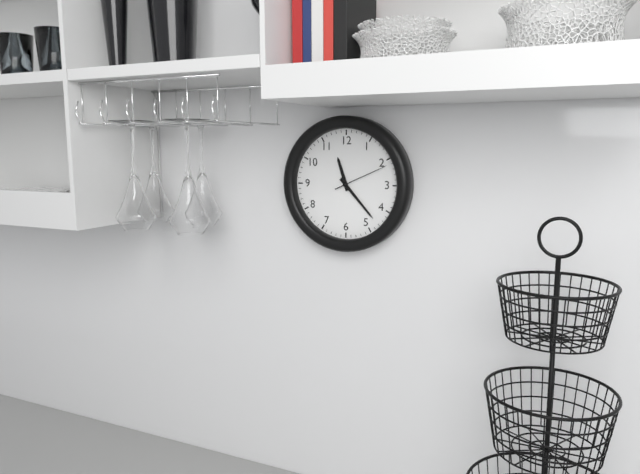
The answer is 11:23:11
